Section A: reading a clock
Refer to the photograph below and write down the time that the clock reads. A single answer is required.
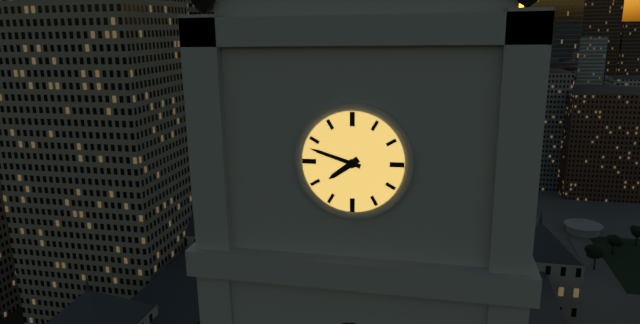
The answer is 7:48
